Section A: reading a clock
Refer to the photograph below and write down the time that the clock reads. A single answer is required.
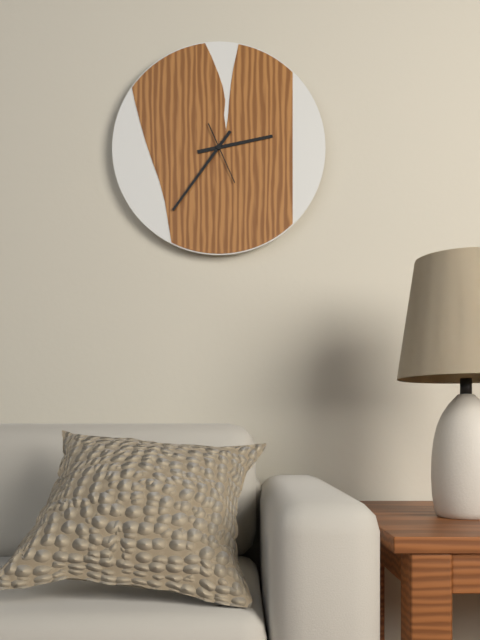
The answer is 2:36
